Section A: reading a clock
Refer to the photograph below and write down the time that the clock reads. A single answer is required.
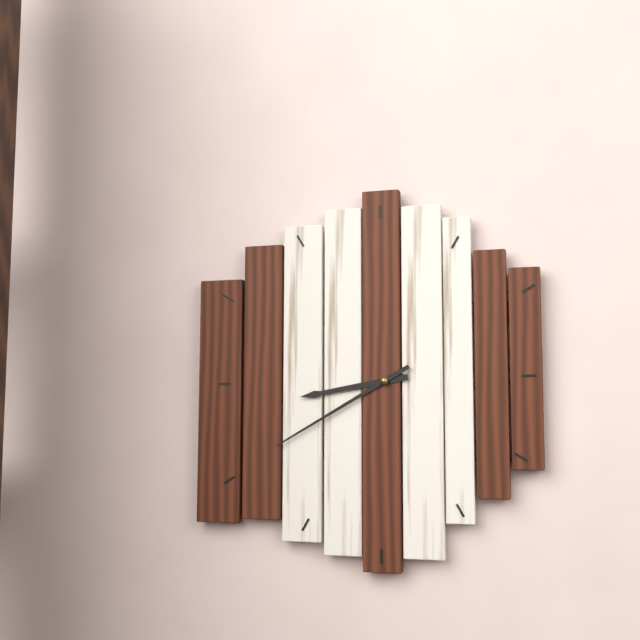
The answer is 8:40
